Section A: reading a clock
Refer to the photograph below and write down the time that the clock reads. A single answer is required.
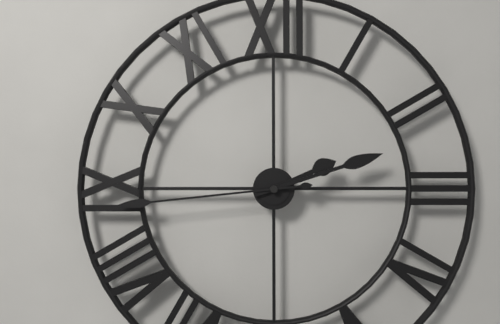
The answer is 2:12:44
